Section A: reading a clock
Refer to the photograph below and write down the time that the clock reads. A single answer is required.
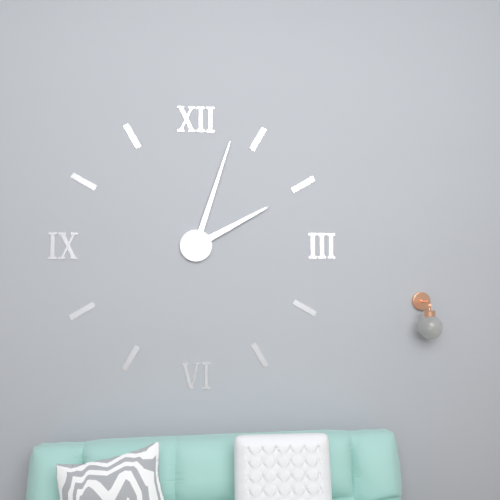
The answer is 2:03
